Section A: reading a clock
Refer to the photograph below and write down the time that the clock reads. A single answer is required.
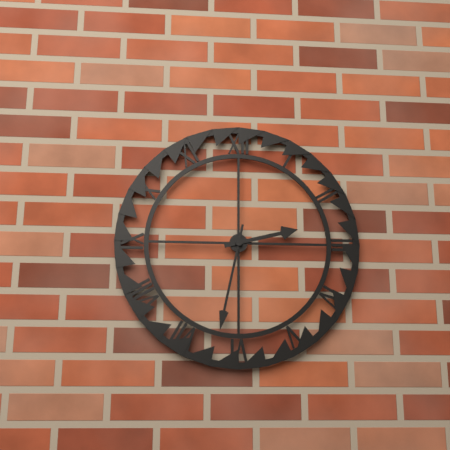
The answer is 2:32
